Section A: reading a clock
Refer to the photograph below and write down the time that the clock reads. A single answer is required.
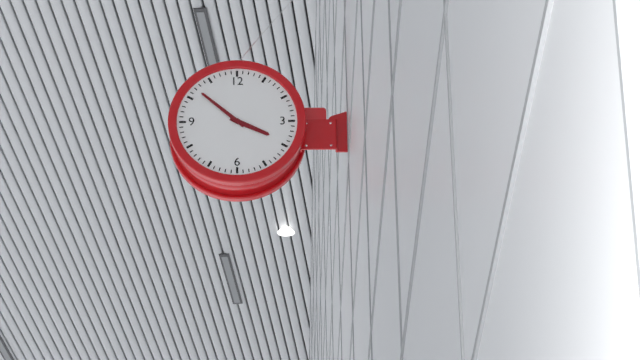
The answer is 3:52
